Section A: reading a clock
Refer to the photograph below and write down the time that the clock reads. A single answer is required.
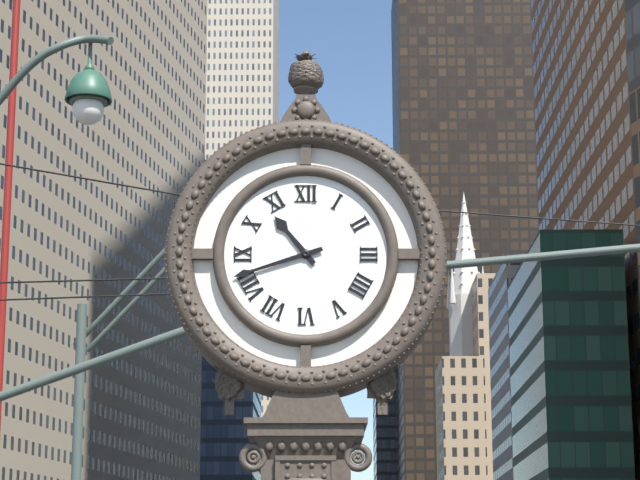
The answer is 10:42
